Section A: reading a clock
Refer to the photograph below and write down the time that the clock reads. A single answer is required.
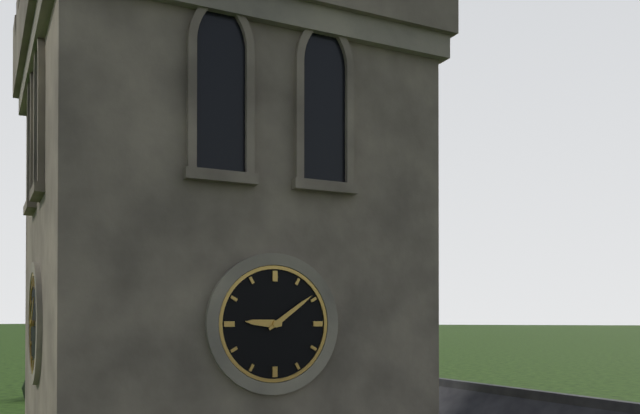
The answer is 9:09
